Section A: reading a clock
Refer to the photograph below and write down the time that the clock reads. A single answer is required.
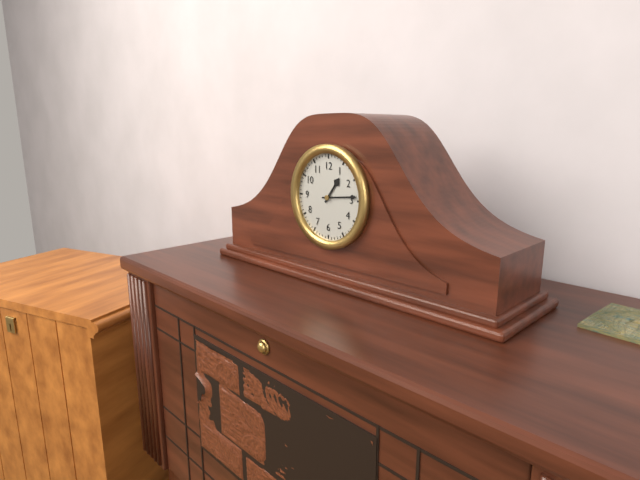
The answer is 1:14
